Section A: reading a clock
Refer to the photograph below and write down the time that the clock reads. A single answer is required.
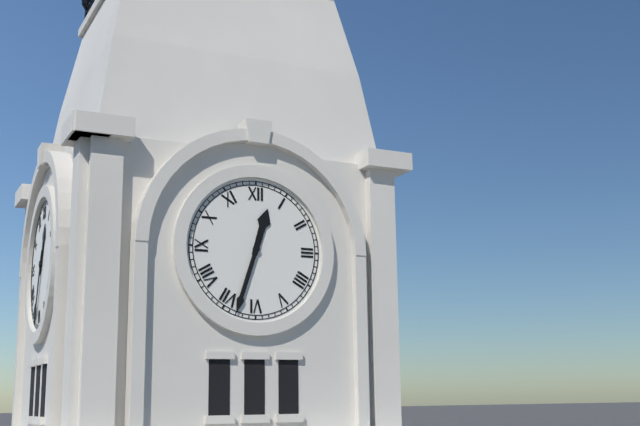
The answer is 12:33
